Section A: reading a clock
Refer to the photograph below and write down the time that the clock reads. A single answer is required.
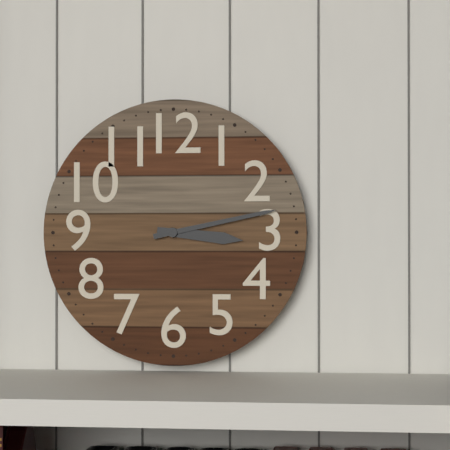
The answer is 3:13
